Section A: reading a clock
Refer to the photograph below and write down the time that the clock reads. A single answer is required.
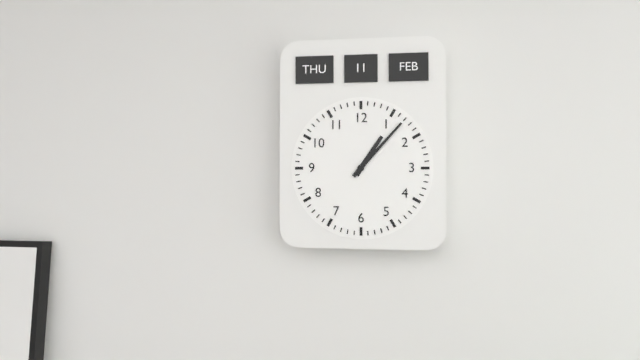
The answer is 1:07
